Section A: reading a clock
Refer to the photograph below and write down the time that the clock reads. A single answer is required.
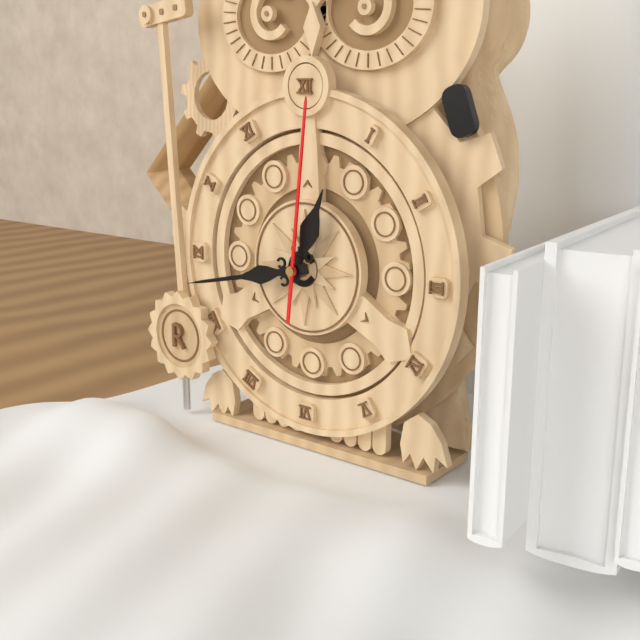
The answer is 12:43:01
